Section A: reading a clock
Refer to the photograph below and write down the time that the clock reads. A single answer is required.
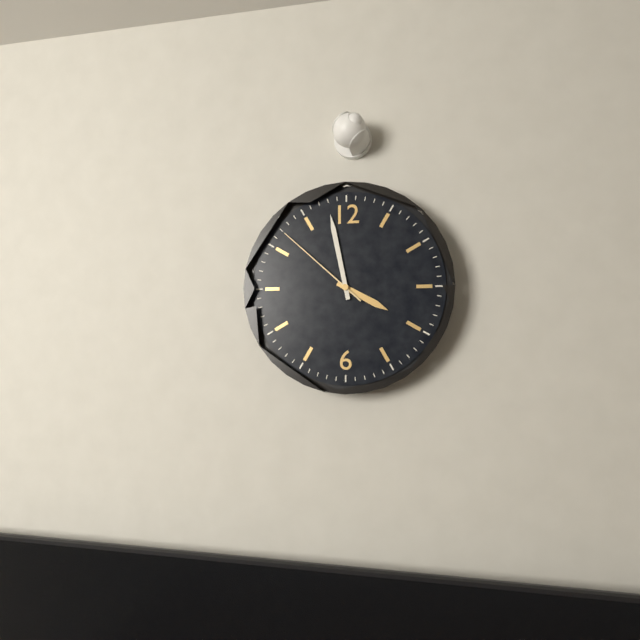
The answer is 3:58:52
